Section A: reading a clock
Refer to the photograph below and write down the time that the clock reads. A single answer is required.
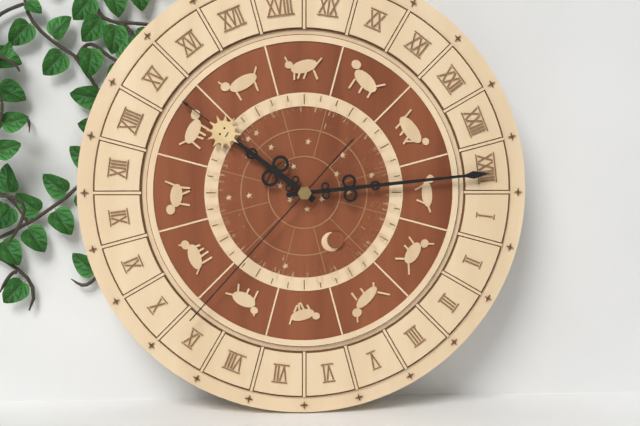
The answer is 10:14:37
